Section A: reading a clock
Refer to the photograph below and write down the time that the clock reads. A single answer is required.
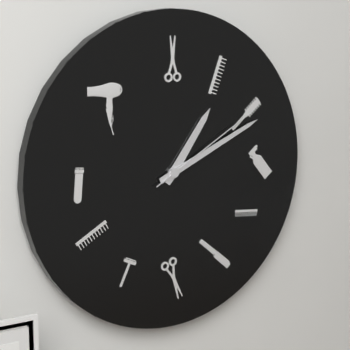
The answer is 1:11:10
